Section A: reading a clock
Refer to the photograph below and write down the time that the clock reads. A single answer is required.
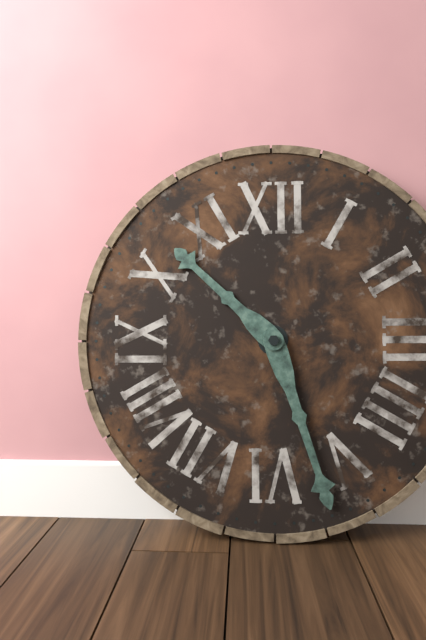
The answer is 10:27
